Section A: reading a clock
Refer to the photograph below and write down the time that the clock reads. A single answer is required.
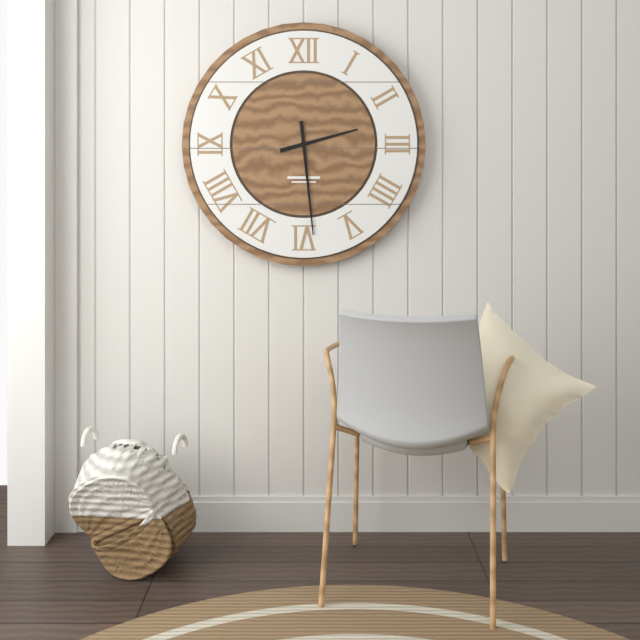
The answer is 2:29
